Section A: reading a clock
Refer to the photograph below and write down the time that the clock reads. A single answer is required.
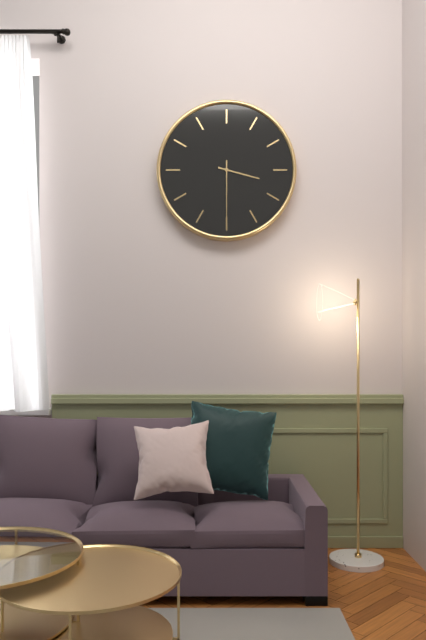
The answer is 3:30
